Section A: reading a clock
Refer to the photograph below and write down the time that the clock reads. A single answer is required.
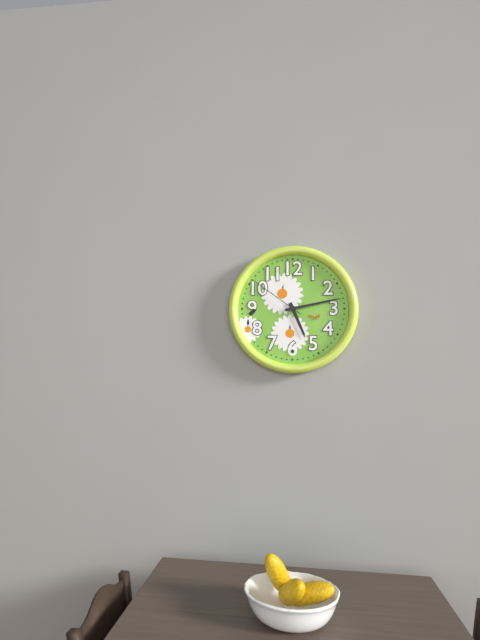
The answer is 5:13:51
